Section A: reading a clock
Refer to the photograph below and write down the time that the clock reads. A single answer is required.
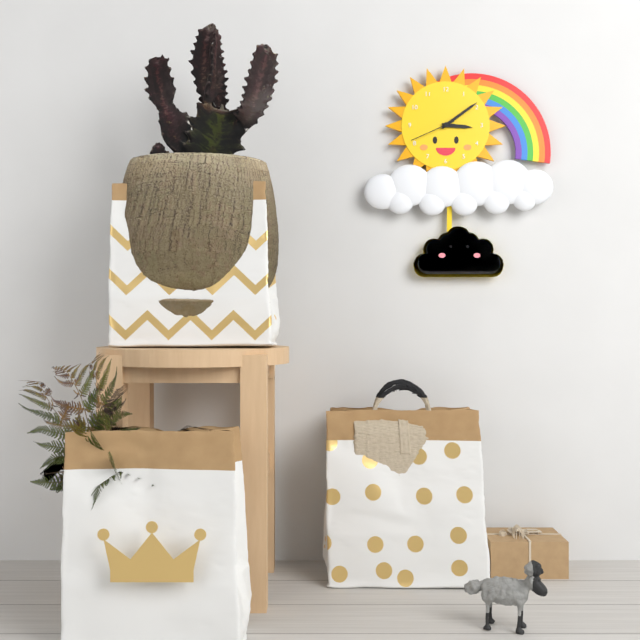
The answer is 3:09
